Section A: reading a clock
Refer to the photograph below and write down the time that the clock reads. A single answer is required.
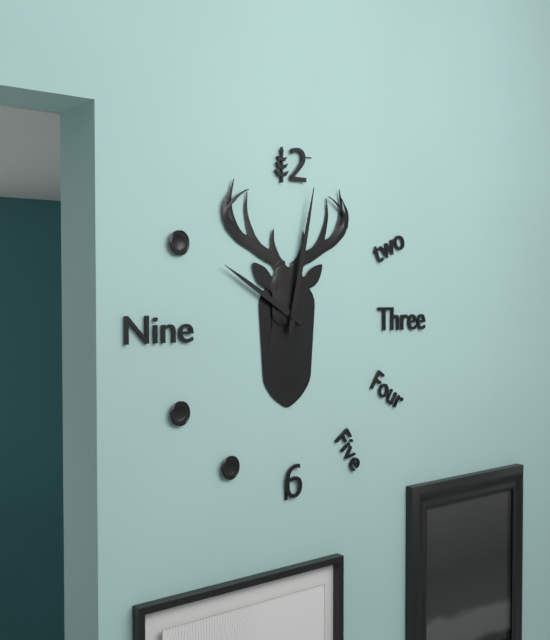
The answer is 10:02
